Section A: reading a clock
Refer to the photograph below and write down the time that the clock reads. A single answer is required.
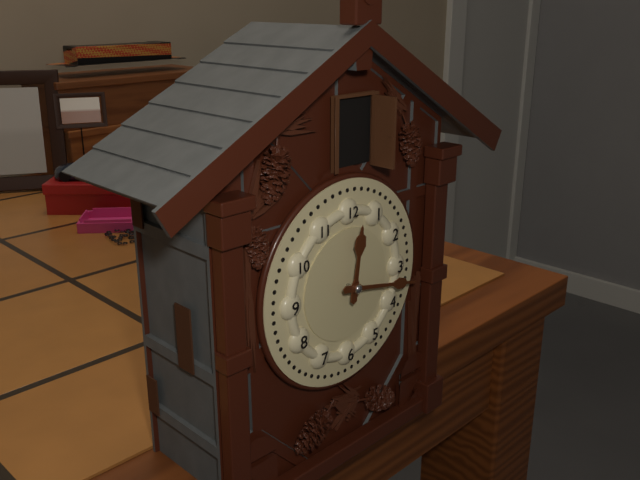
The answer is 12:17
